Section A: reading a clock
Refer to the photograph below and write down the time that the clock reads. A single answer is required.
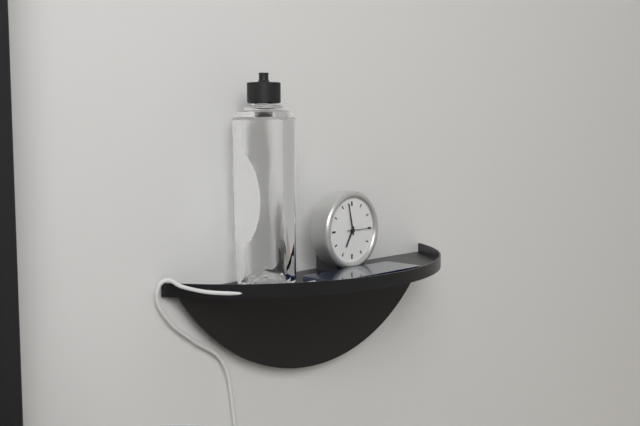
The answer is 6:58
